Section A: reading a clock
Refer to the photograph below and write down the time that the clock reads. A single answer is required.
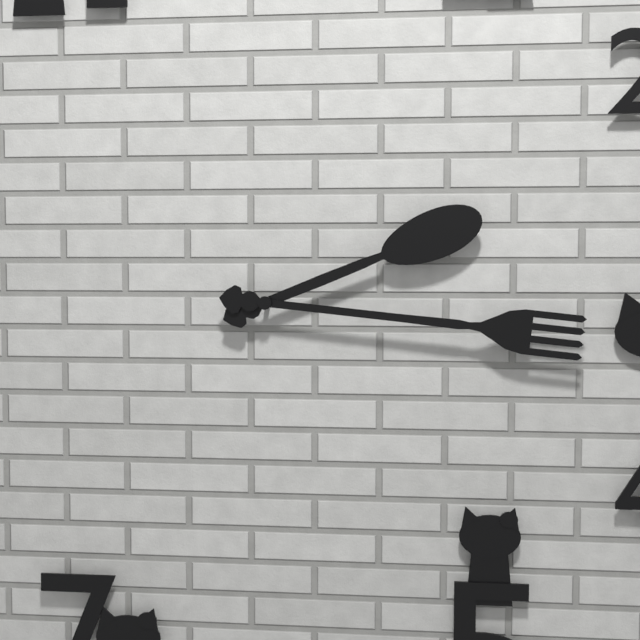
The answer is 2:16
